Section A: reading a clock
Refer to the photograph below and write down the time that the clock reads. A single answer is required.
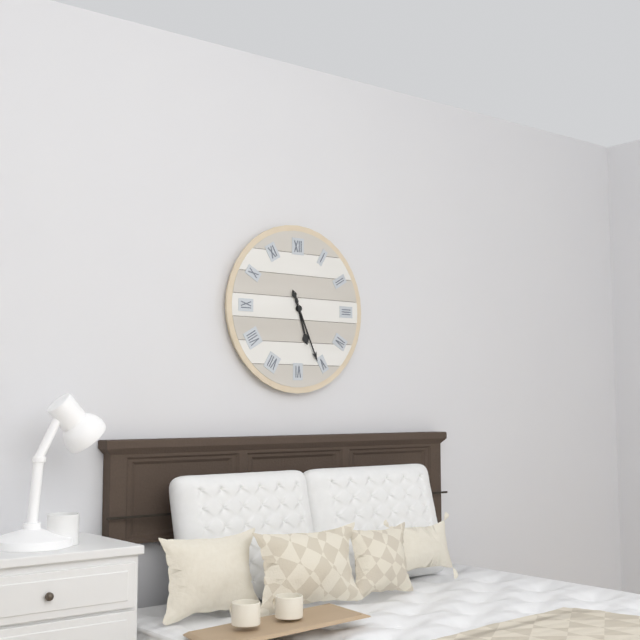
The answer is 5:26
